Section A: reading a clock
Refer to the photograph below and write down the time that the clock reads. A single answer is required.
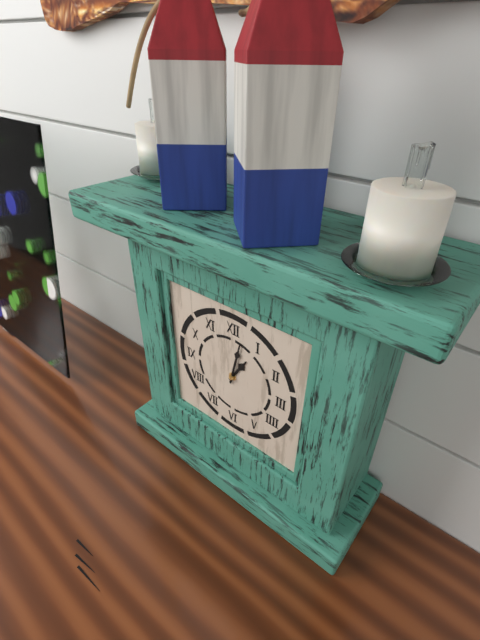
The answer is 1:02
